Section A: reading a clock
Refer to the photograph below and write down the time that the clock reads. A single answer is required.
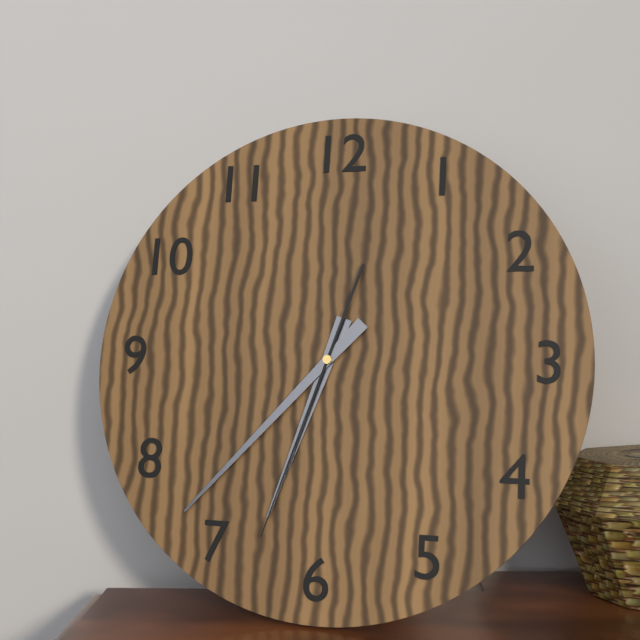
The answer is 6:37:33
